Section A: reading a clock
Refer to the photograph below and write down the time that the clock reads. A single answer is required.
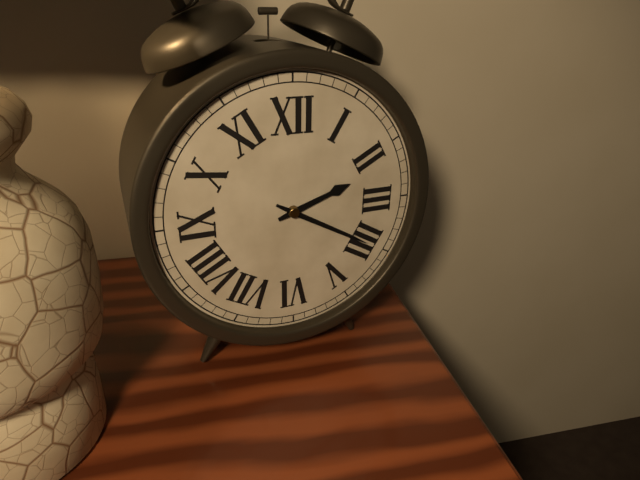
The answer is 2:20
